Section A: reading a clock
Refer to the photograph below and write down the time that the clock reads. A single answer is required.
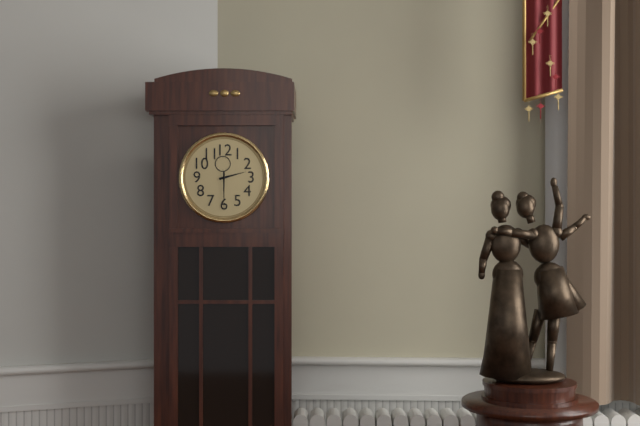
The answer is 2:30
